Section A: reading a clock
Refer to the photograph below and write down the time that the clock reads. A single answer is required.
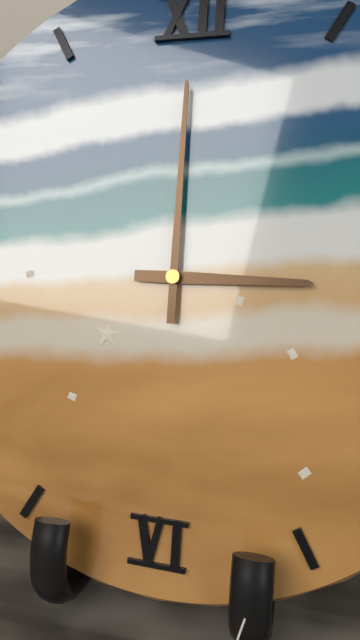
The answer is 3:00
